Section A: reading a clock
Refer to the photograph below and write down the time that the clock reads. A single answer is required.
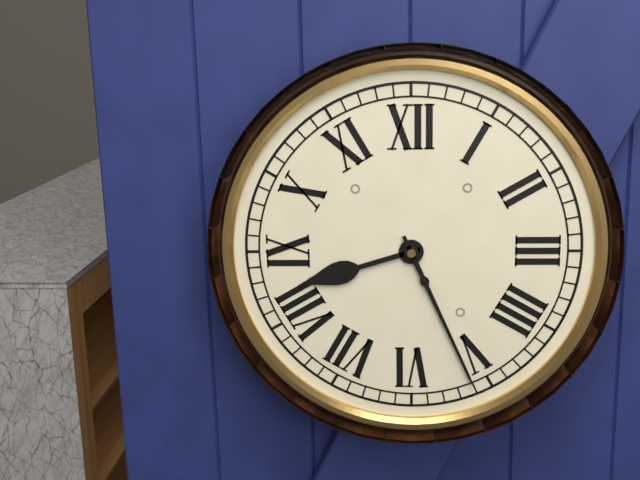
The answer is 8:26
